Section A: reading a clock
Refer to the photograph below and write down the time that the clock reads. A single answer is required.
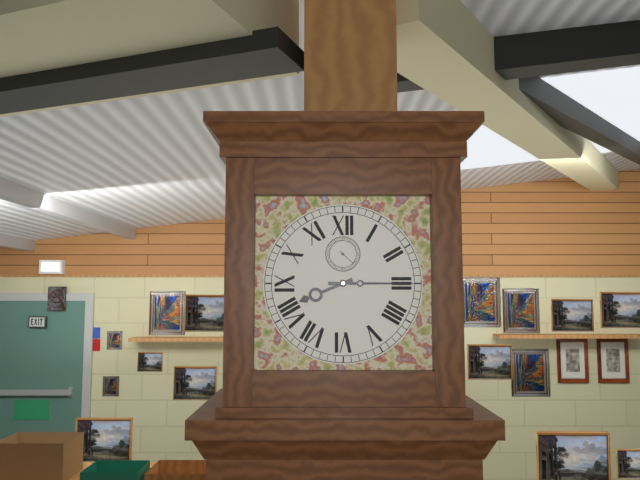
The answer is 8:15
